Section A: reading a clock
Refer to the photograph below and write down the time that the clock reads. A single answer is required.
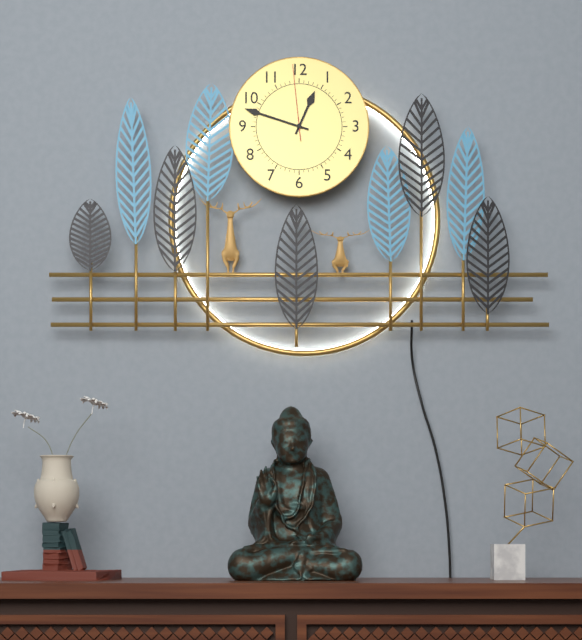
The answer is 12:48:59
